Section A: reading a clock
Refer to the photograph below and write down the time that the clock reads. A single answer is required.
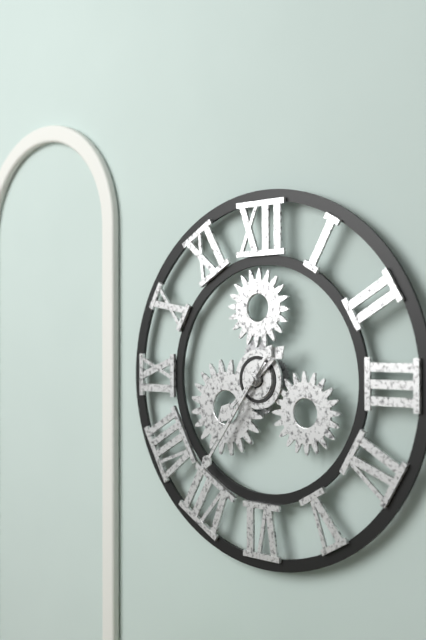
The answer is 7:36
